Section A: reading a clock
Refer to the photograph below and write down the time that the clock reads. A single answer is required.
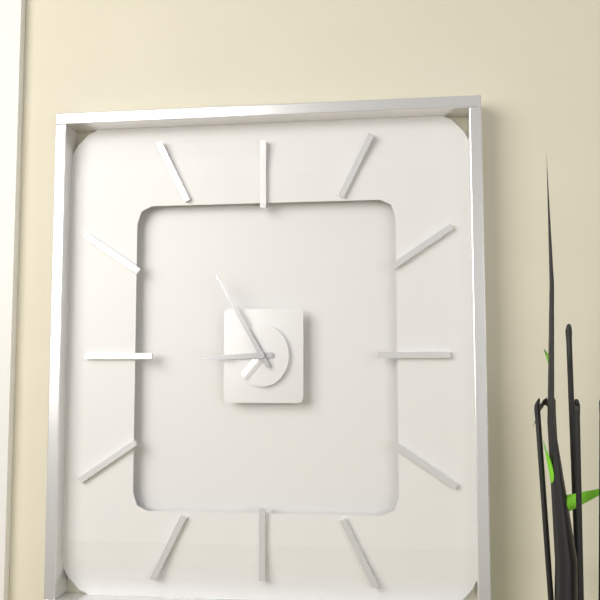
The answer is 8:55
